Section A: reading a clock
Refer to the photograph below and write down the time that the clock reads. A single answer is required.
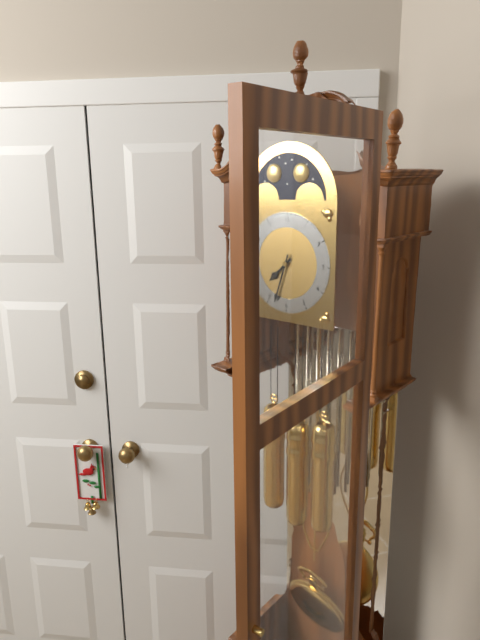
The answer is 7:33
